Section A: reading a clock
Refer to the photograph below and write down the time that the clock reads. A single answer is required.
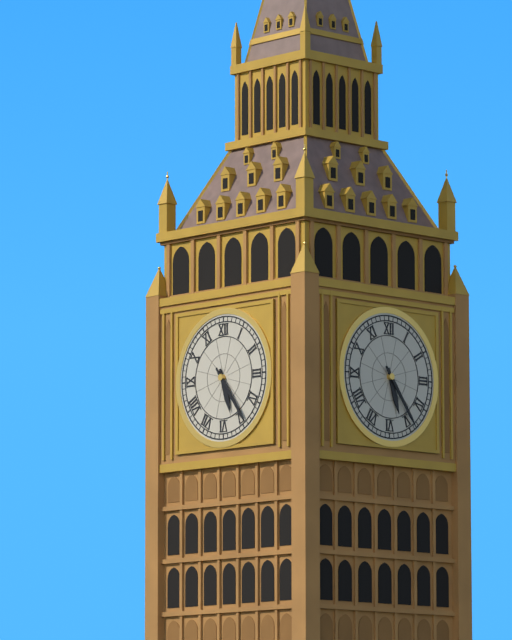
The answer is 5:24
